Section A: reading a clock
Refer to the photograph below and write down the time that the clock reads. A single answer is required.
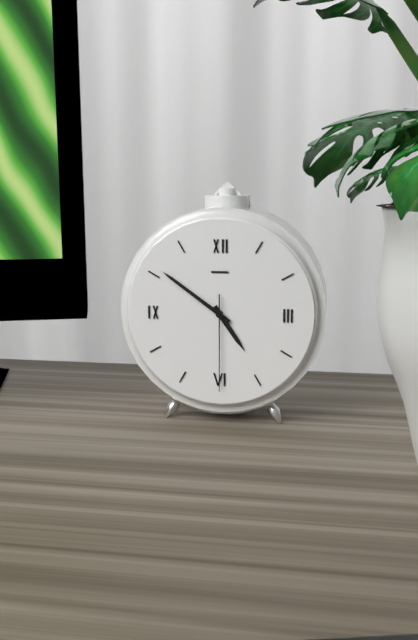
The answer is 4:51:30
